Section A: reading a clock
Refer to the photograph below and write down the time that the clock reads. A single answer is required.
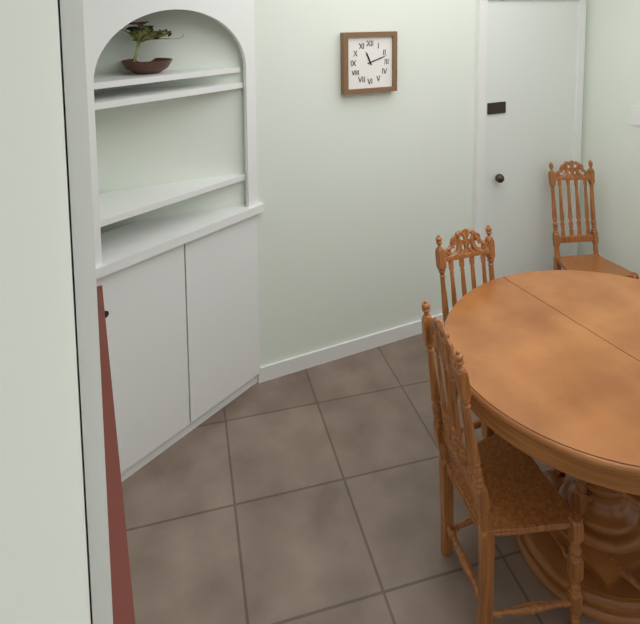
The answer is 11:12
